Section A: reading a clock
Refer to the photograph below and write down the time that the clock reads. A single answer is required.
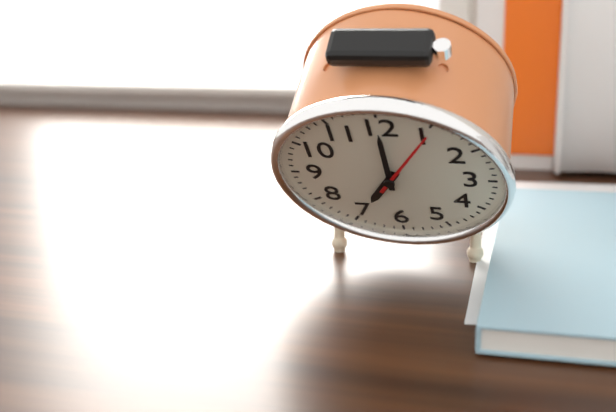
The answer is 7:00:05
